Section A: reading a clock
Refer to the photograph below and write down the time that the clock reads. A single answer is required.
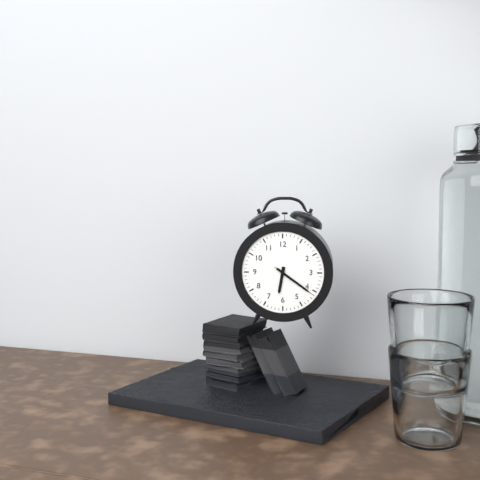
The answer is 6:21
